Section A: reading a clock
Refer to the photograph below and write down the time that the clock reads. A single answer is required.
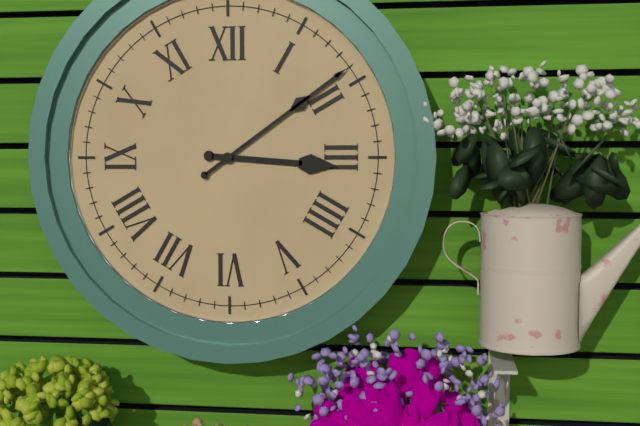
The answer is 3:09
